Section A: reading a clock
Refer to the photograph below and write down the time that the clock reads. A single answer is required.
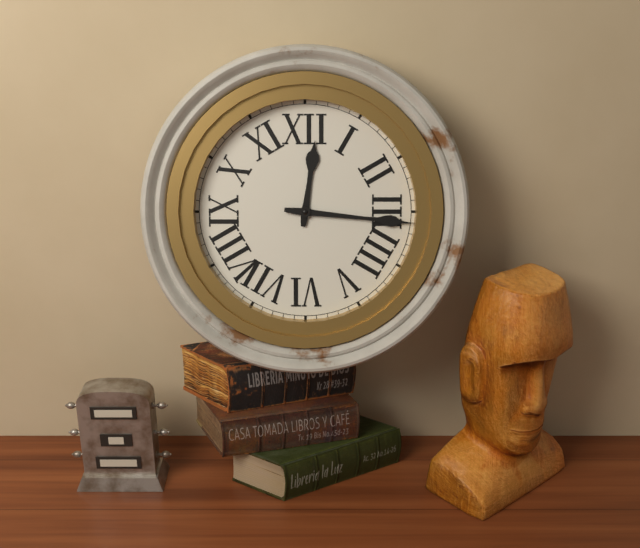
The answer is 12:16
